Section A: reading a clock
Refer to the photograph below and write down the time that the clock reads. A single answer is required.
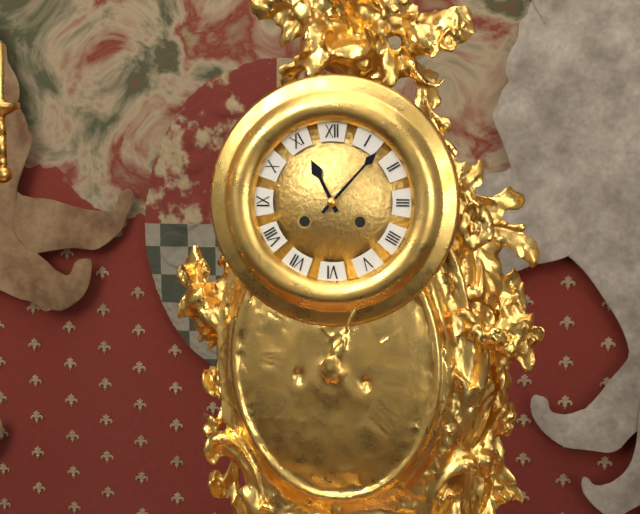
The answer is 11:07
